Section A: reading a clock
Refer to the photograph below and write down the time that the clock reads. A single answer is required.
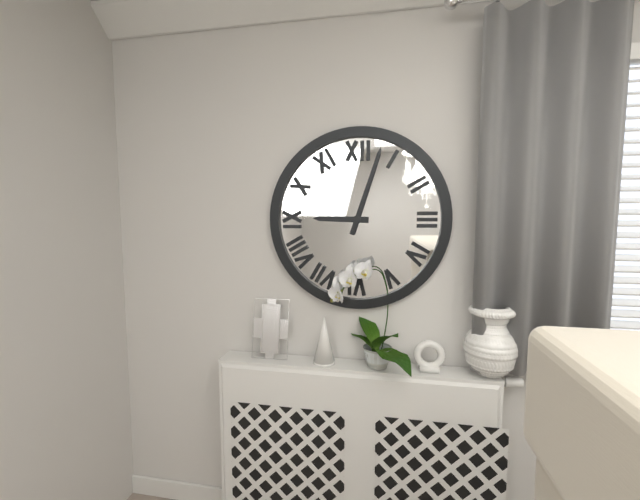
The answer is 9:03
